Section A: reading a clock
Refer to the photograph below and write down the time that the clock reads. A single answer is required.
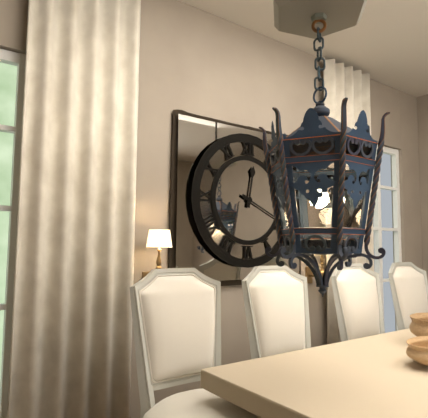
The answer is 12:19
